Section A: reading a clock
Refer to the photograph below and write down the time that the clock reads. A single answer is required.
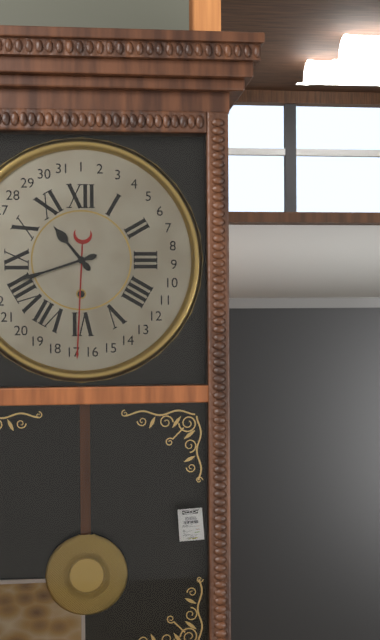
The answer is 10:42
